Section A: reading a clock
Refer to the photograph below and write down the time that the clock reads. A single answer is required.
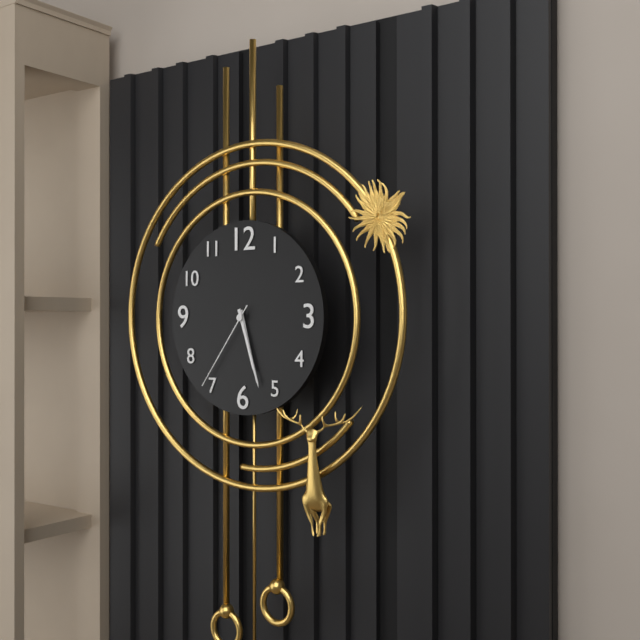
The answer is 5:27:36
